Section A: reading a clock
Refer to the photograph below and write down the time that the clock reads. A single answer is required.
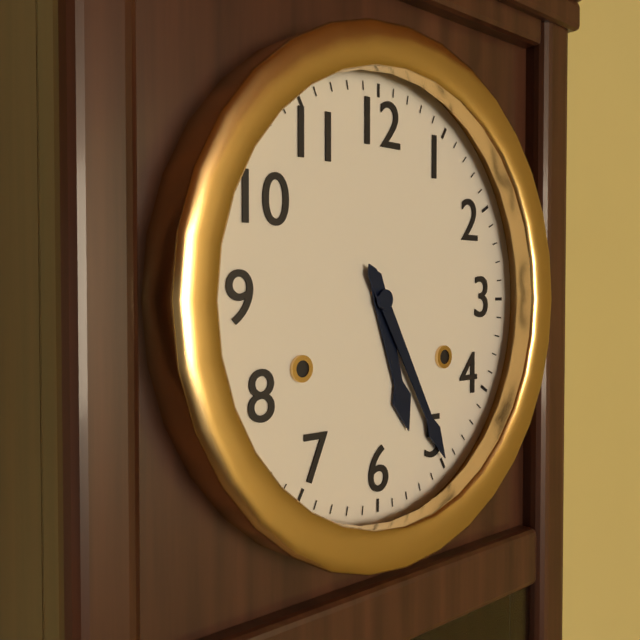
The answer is 5:25
